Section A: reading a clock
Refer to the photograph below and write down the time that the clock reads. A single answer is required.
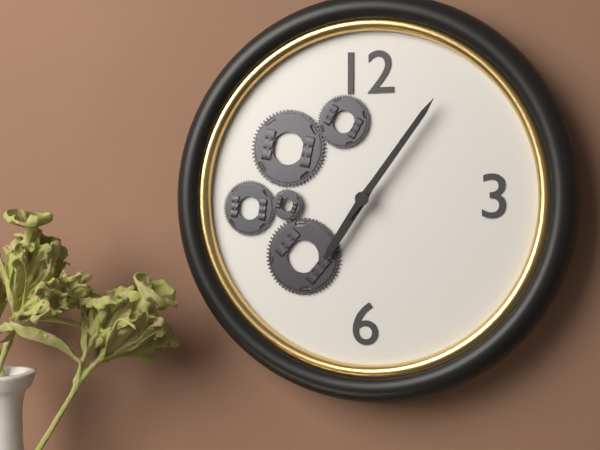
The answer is 7:06
